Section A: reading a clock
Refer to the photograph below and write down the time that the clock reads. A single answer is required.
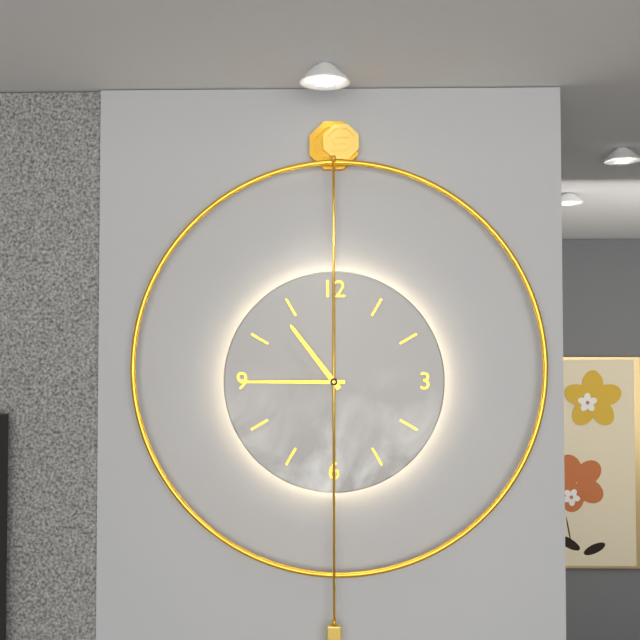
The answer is 10:45
